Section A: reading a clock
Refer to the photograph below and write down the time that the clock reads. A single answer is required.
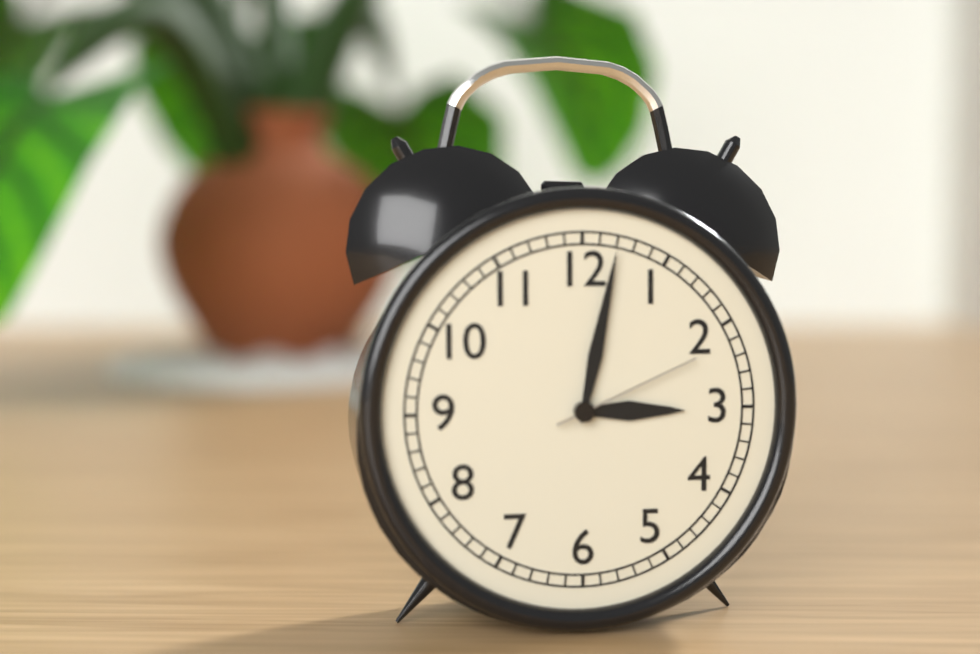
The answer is 3:02:11
